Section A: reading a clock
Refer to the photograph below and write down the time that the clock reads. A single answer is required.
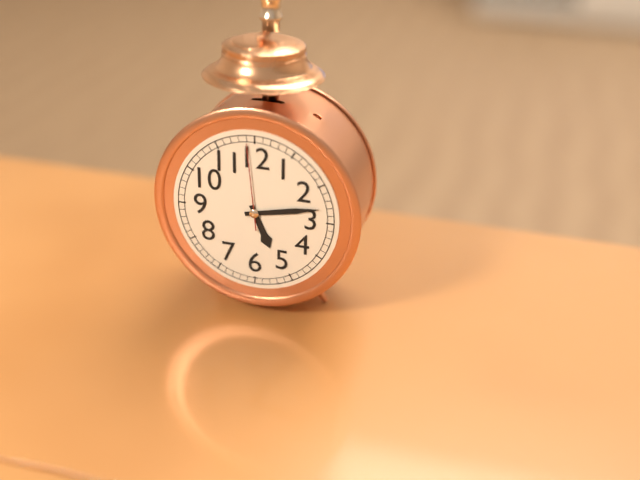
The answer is 5:13:59
